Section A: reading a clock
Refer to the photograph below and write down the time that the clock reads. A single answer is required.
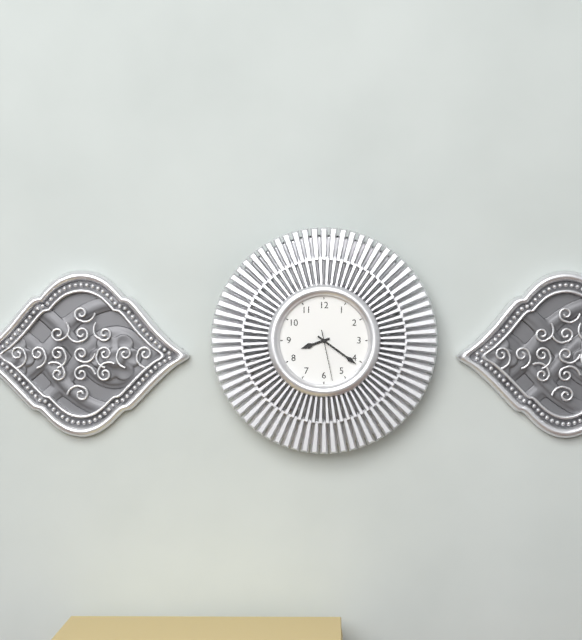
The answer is 8:21:28
